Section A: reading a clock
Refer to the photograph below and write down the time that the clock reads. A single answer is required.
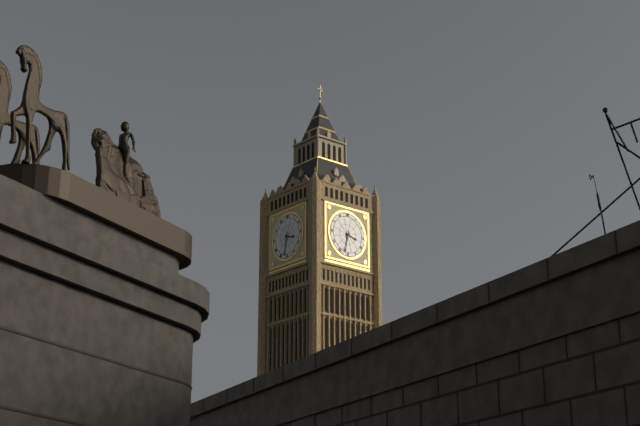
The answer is 3:32
